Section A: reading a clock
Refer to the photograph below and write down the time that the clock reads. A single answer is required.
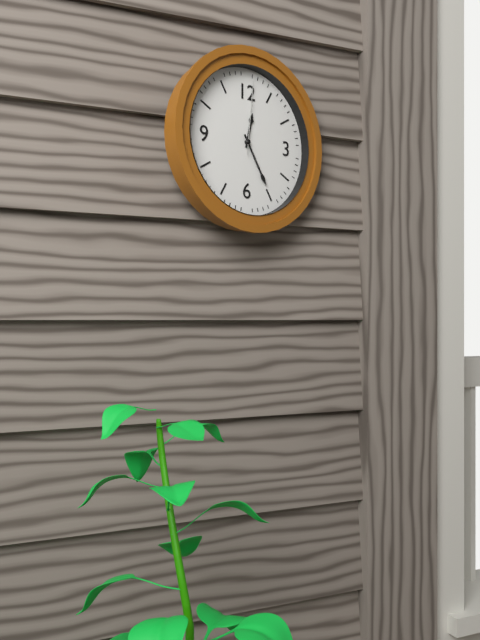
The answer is 12:25:01
